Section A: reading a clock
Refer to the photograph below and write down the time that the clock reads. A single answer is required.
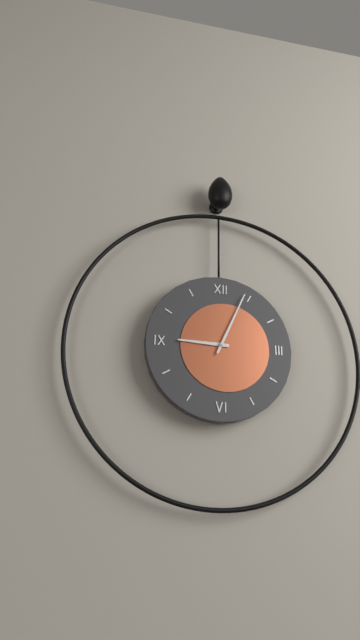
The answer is 9:04
